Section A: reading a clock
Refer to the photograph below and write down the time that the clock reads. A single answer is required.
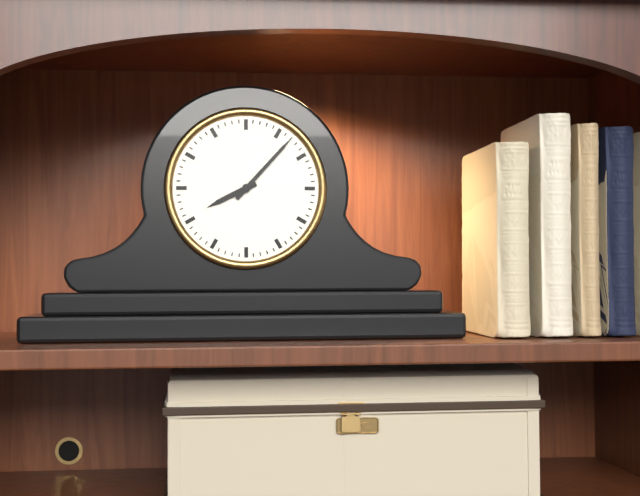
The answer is 8:07
